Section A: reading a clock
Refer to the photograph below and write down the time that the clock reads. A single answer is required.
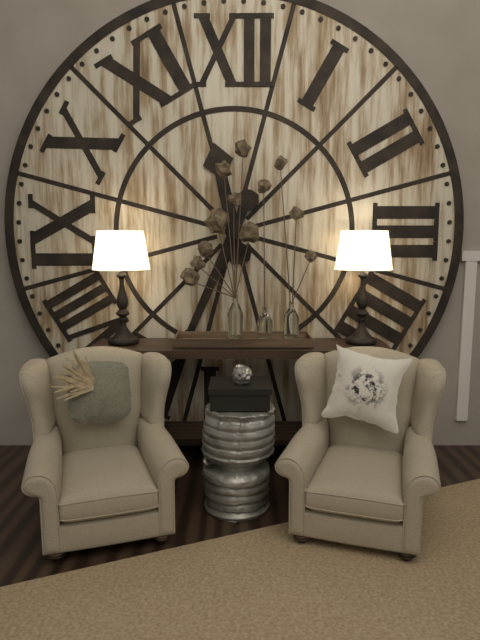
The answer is 11:34
